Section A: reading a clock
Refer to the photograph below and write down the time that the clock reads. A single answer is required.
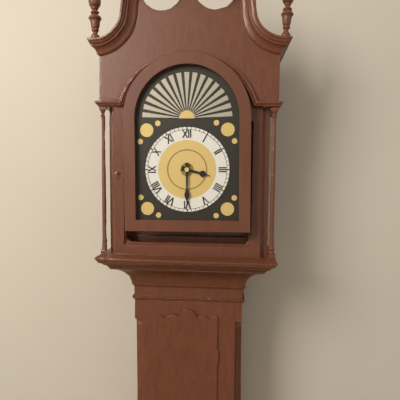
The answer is 3:30
